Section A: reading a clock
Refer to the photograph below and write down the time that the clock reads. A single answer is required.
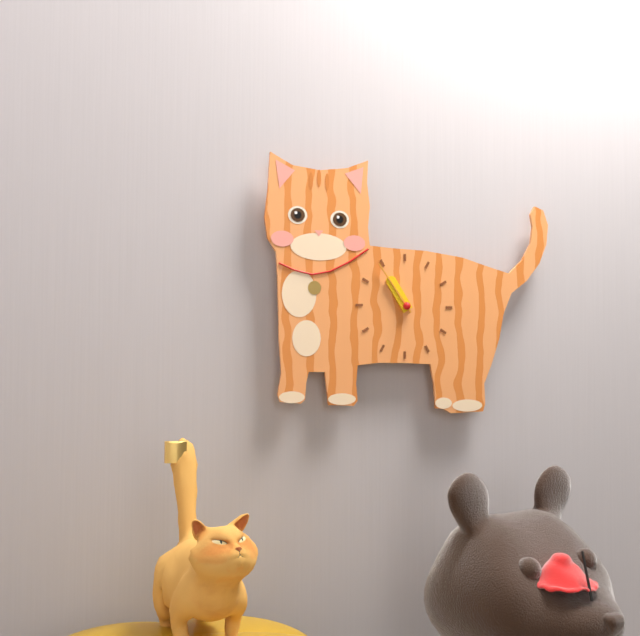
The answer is 10:54
